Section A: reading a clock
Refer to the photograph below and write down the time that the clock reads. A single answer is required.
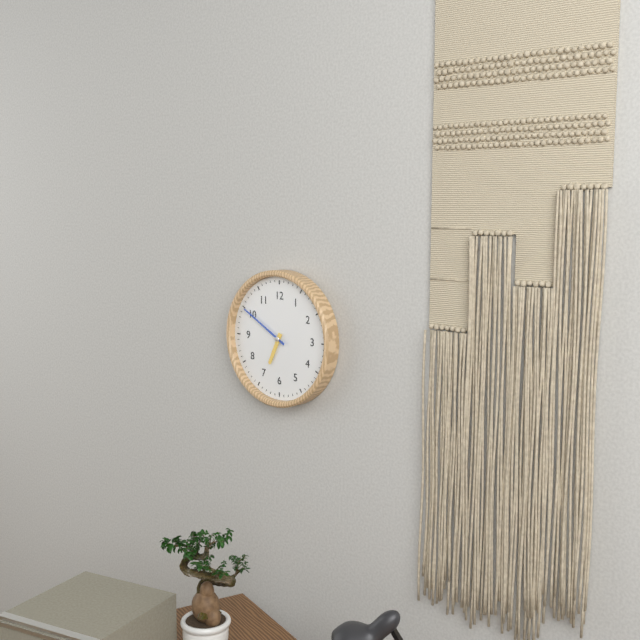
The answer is 6:50
